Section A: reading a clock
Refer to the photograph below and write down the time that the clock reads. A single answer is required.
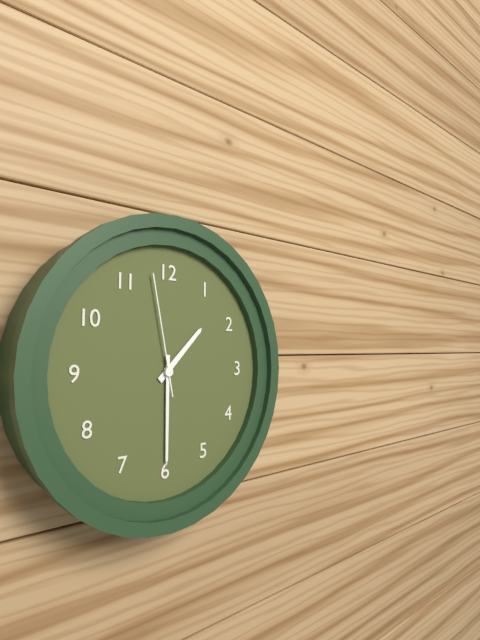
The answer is 1:30:58
